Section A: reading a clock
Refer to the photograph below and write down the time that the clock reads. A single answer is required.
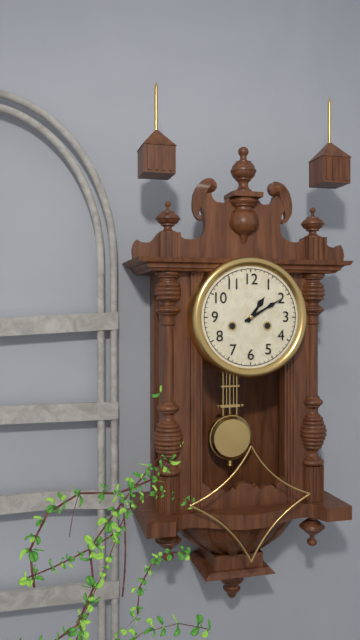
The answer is 1:10
